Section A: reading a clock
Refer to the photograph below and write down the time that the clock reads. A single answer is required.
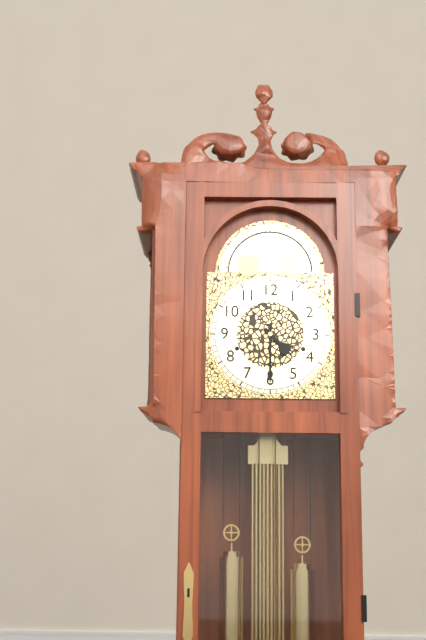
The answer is 4:30
